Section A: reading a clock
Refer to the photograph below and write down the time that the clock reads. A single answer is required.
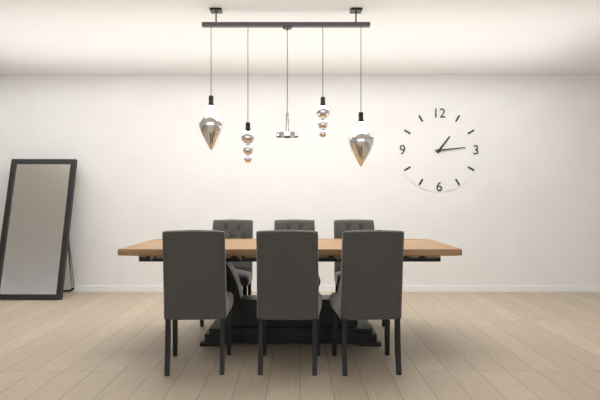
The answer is 1:14
